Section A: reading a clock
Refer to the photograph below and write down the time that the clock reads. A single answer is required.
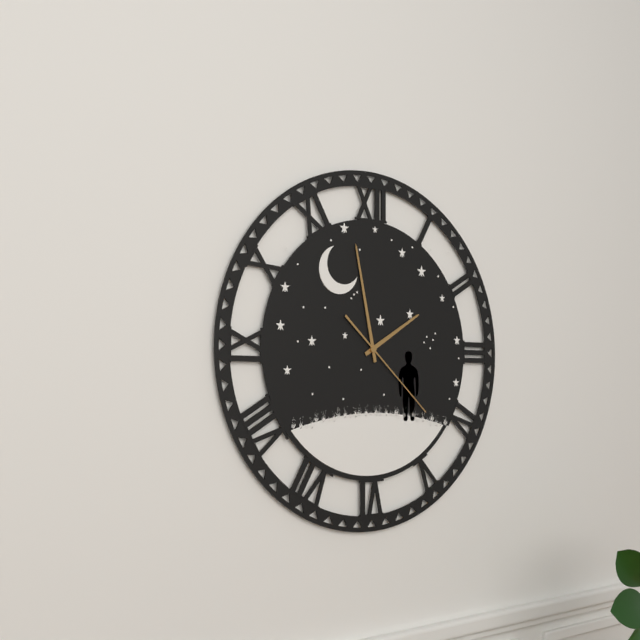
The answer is 1:58:22
